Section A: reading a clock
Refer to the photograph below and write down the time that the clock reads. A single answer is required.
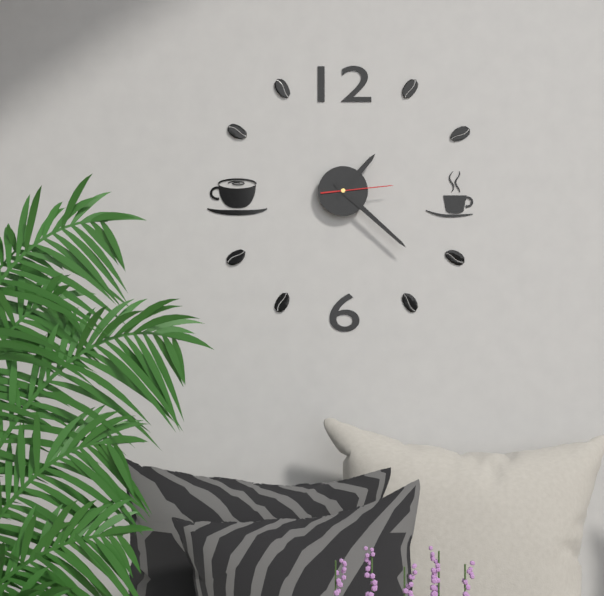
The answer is 1:22:14
